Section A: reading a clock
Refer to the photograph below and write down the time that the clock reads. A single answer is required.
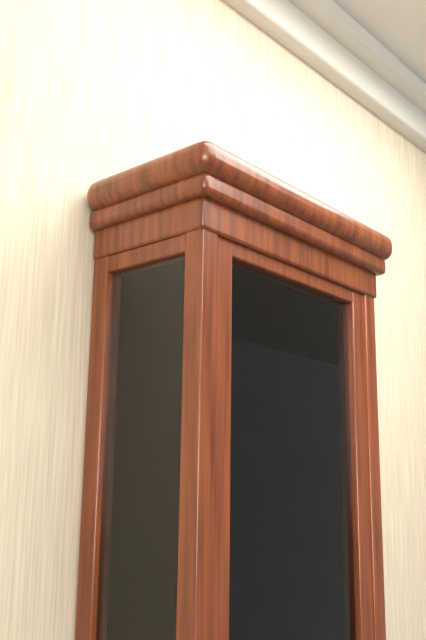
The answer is 11:49
